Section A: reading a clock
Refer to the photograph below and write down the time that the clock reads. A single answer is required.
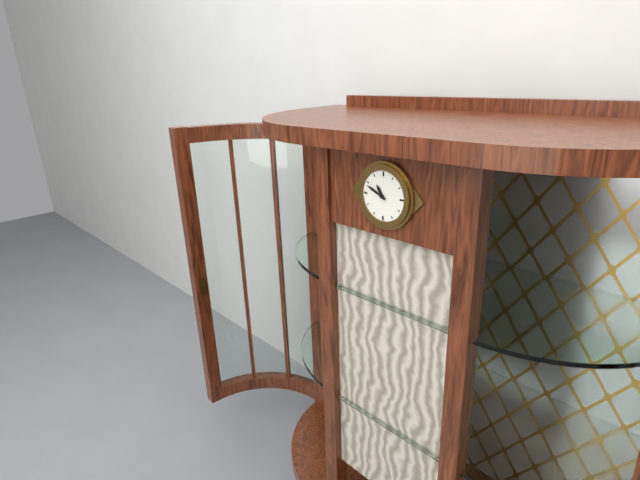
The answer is 10:49
